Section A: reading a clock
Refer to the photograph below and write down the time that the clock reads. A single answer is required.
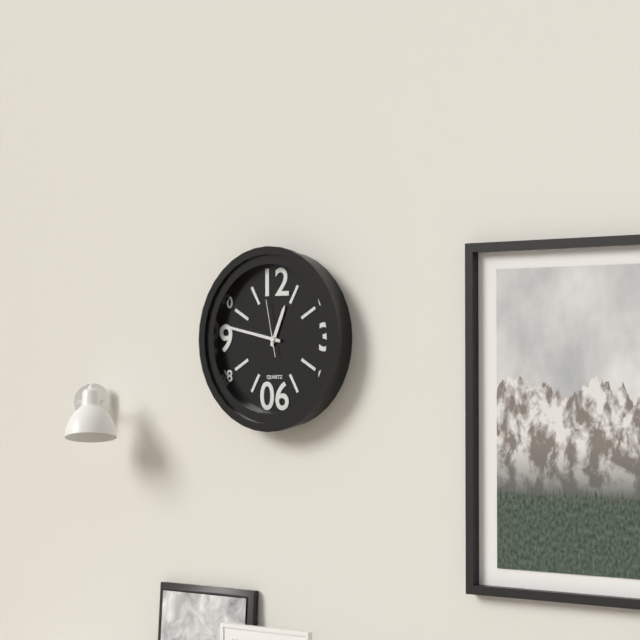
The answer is 12:47:58
